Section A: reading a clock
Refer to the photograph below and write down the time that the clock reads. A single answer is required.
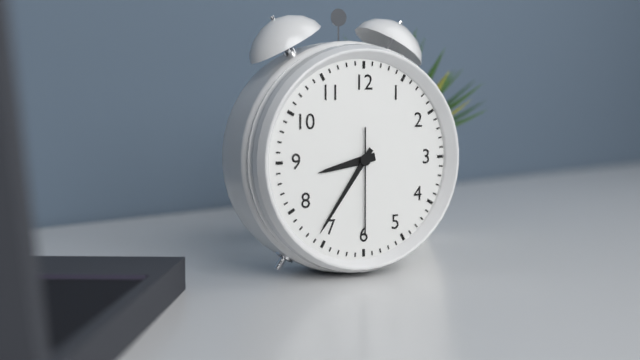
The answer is 8:36:30
